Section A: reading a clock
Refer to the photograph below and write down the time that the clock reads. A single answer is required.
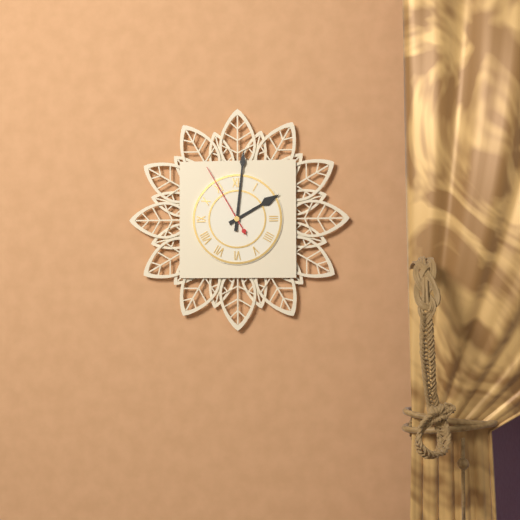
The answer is 2:01:55
